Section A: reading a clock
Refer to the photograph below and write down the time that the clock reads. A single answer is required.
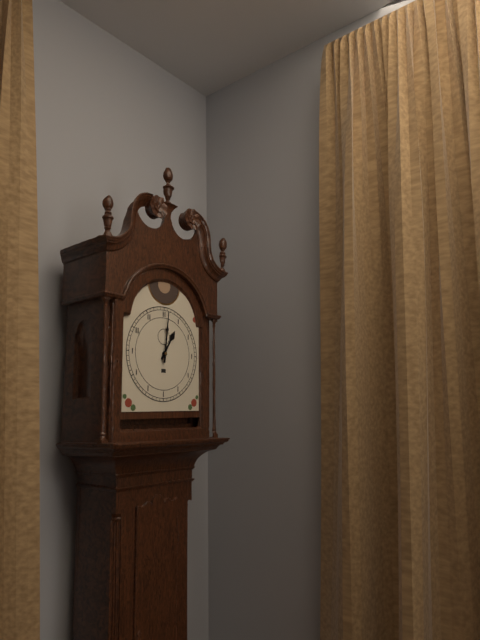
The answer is 1:01
